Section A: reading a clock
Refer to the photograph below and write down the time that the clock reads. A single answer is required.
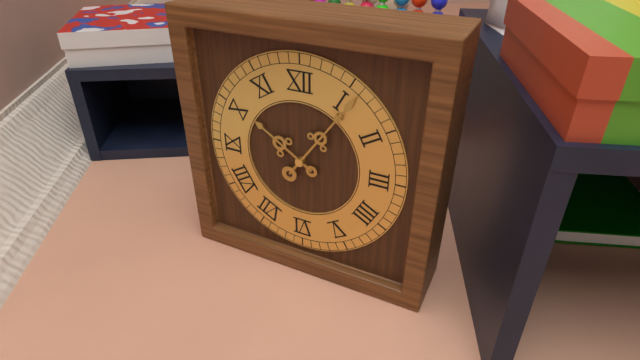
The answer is 10:06
